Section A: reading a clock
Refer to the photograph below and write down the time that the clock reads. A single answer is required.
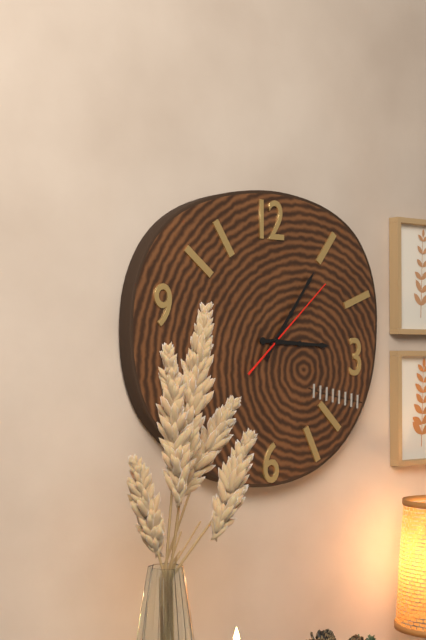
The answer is 3:06:08
